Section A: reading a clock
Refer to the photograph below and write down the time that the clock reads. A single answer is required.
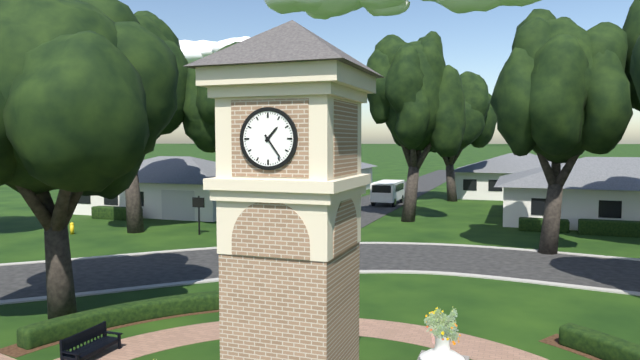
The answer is 1:24
